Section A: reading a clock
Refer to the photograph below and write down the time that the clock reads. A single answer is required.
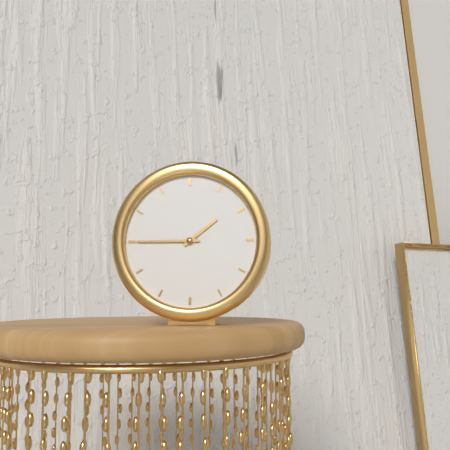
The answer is 1:45
